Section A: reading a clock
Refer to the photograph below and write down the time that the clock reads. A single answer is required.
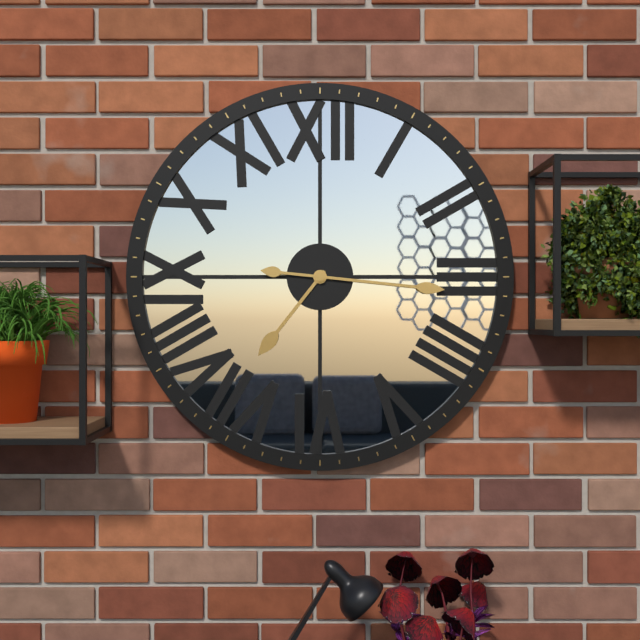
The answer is 7:16
